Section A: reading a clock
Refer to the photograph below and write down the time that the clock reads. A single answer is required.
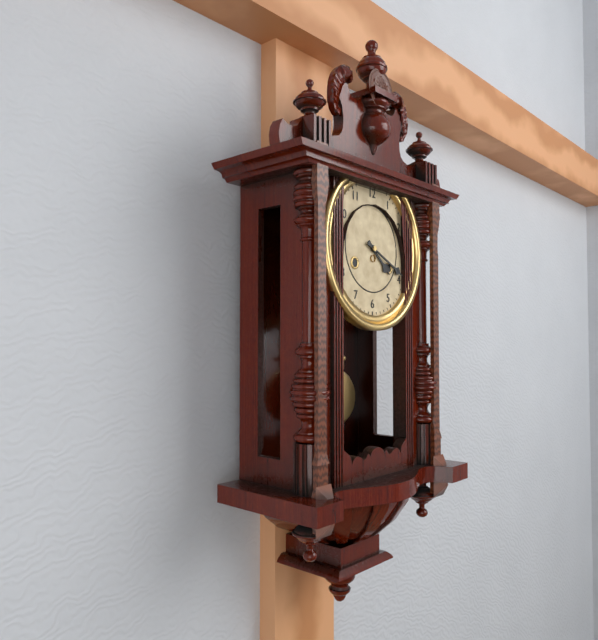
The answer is 4:19
